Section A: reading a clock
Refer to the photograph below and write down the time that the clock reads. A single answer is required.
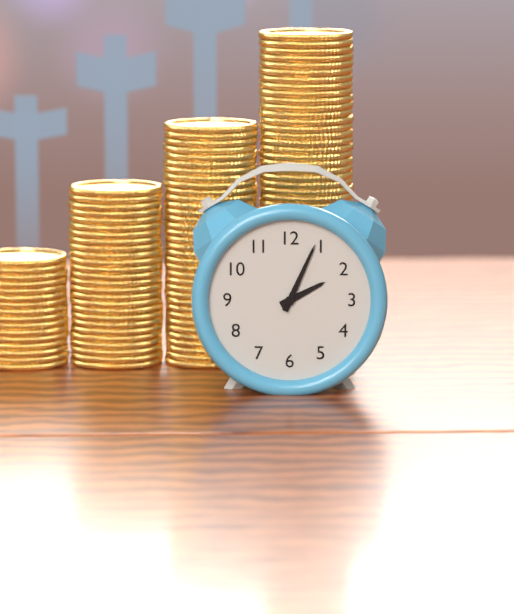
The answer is 2:04
